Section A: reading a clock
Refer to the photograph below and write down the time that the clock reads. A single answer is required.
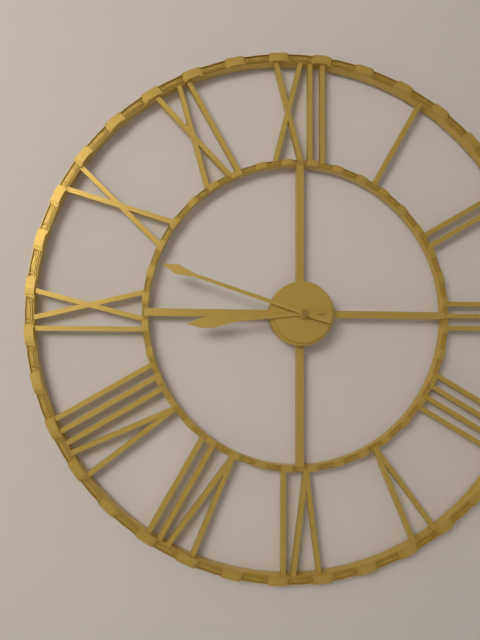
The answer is 8:48
